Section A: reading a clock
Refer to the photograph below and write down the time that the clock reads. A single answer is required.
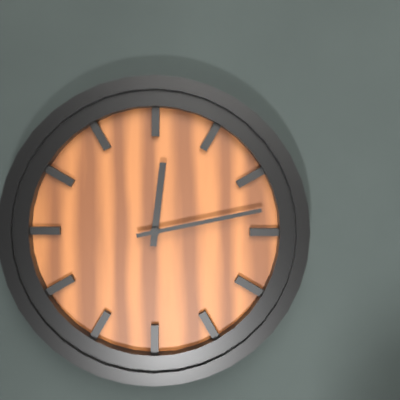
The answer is 12:13
